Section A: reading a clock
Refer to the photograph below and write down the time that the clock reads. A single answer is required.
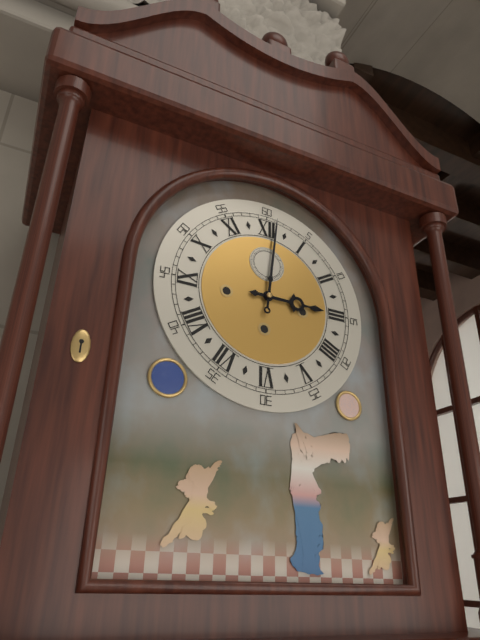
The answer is 3:01
